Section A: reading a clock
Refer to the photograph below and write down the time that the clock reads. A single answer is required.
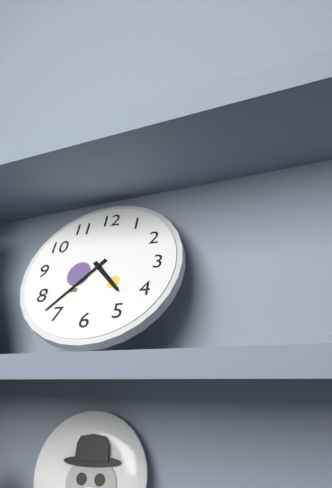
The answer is 4:37
